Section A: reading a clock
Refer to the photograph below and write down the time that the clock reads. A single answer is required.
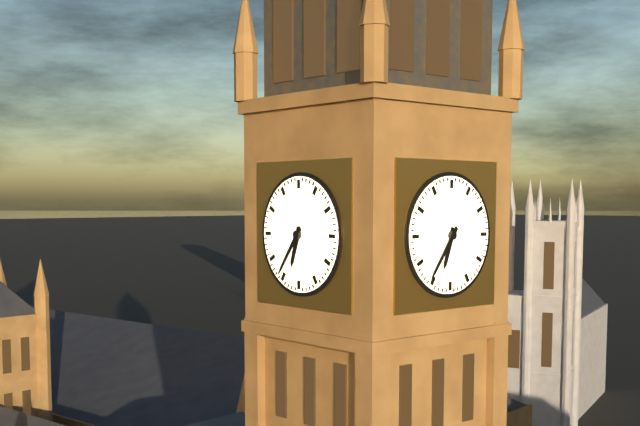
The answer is 6:36
